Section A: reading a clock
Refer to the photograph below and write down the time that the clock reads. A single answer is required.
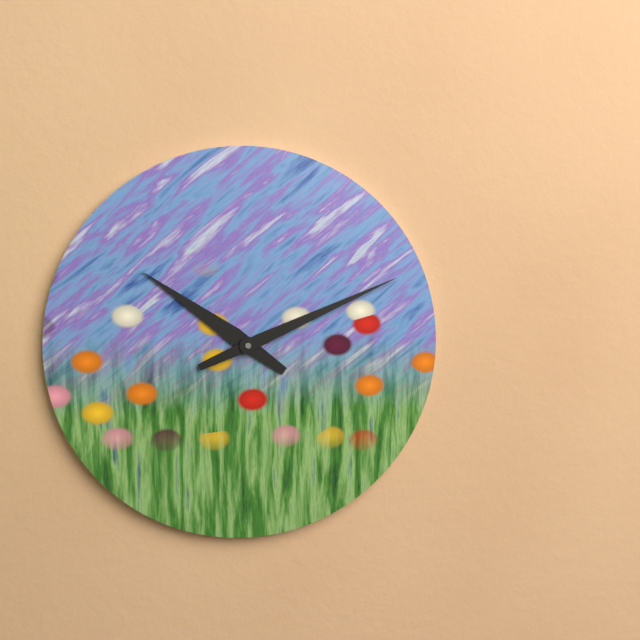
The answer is 10:11
